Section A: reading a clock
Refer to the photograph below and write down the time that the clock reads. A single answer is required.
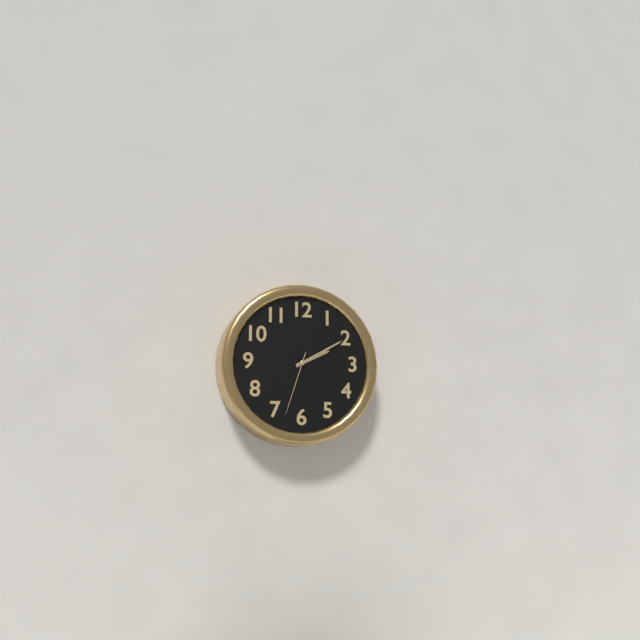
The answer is 2:10:33
